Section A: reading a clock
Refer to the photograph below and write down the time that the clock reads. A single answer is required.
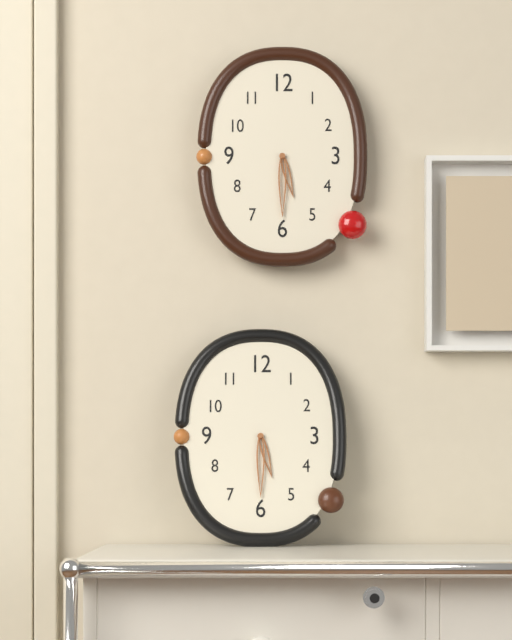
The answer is 5:30
